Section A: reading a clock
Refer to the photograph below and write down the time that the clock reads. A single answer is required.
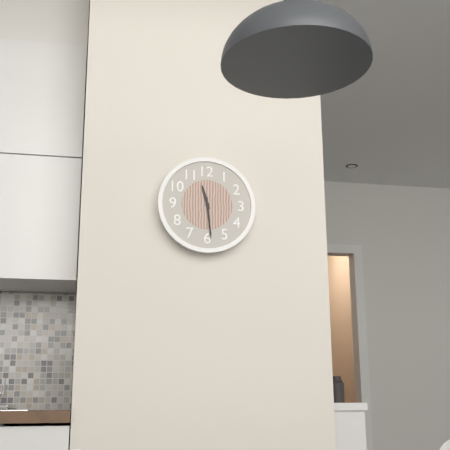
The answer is 11:29
